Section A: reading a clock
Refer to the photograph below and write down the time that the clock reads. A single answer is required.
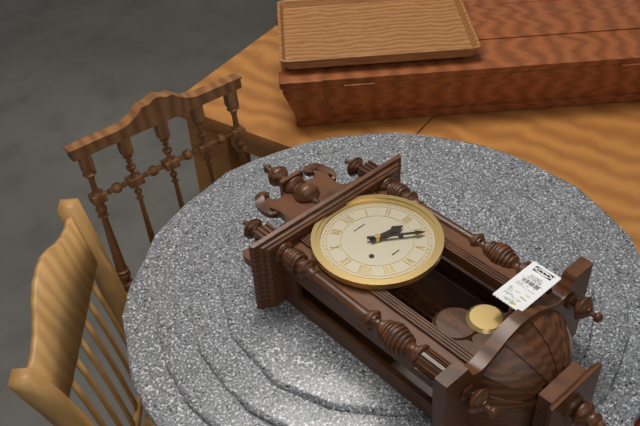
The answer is 3:21
